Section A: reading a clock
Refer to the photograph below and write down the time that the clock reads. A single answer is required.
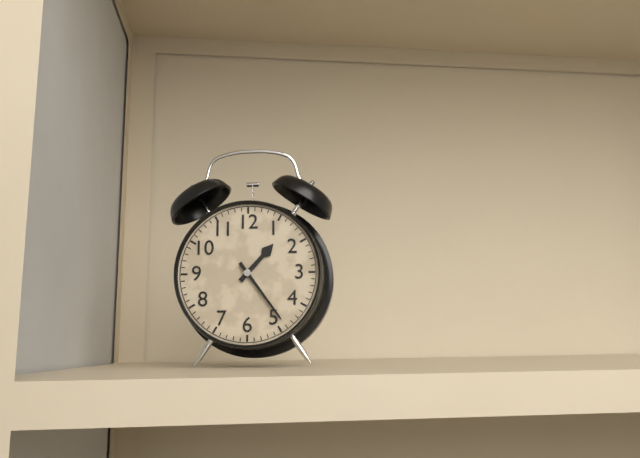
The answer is 1:24
